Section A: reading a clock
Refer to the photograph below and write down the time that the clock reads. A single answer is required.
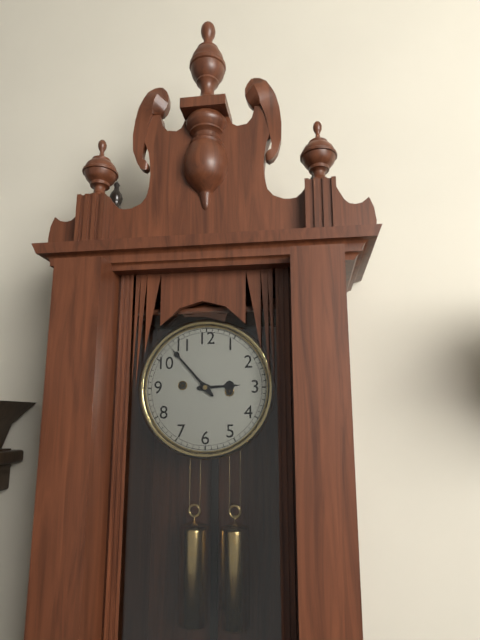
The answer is 2:53
